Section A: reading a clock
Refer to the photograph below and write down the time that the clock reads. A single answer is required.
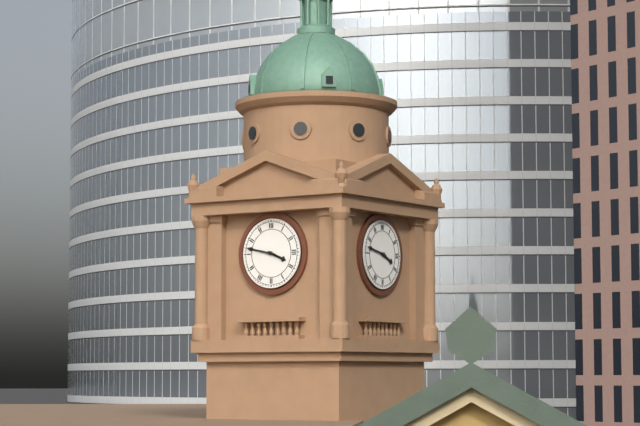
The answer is 3:47
